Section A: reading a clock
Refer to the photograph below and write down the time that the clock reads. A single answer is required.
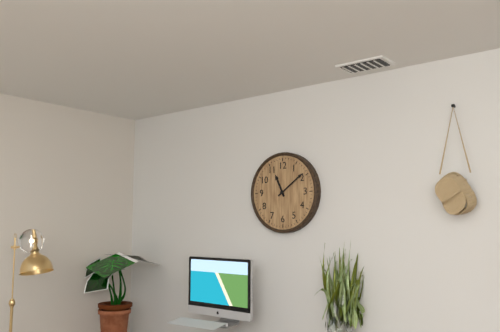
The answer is 11:09
